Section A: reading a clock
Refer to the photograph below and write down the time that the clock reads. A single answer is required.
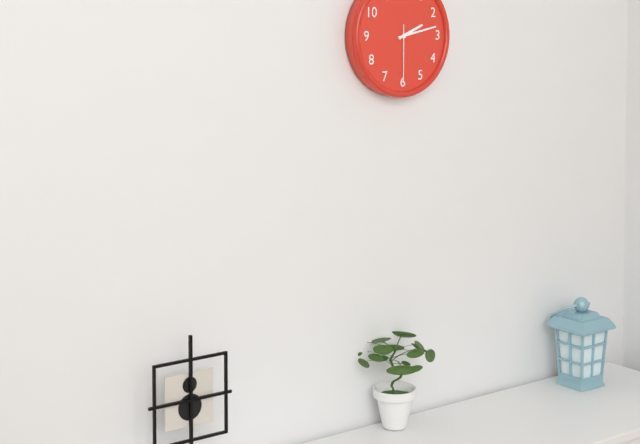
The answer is 2:13:30
